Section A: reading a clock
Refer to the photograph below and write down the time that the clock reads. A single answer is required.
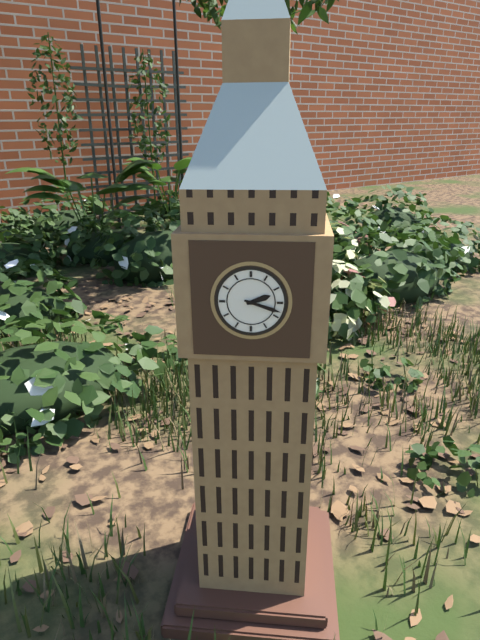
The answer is 2:18
